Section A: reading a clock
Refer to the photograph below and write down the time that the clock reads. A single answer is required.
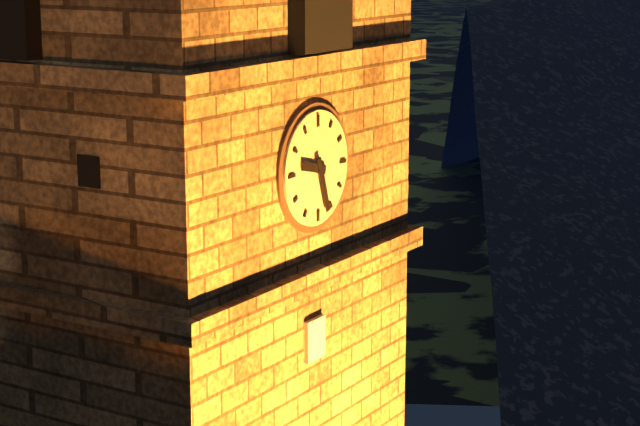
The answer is 9:27
